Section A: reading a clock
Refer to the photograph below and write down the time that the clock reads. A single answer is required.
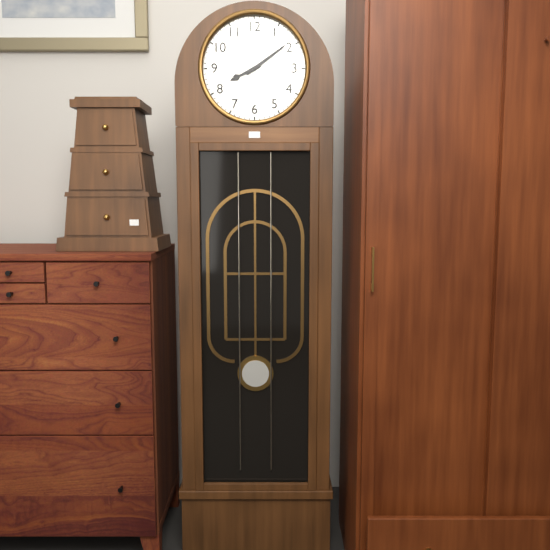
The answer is 8:09
